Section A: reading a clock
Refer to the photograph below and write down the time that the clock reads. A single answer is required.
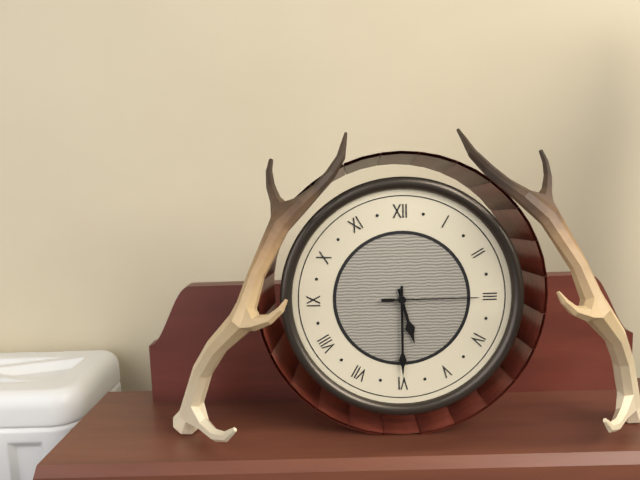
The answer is 5:30:15
